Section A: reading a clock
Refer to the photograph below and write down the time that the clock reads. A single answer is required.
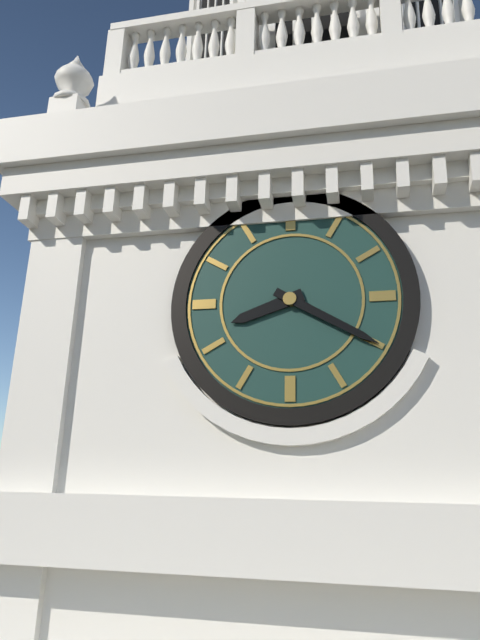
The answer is 8:20
